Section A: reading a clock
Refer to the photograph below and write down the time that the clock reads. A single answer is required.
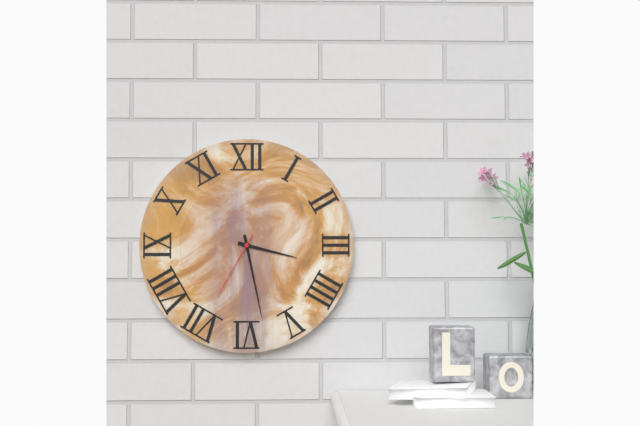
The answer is 3:28:35
